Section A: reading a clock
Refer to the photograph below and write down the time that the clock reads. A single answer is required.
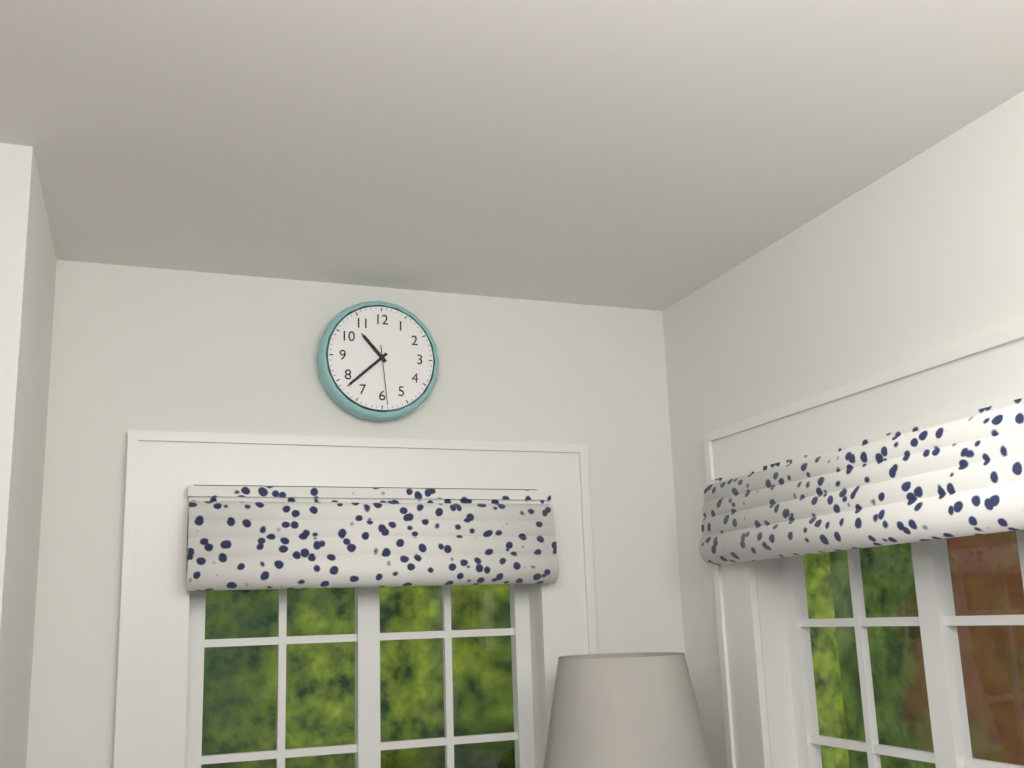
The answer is 10:38:29
